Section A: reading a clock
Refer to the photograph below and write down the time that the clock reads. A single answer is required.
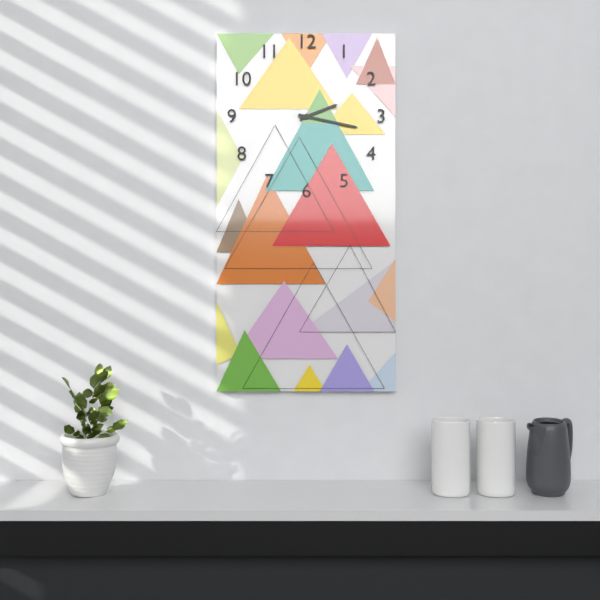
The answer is 2:17
